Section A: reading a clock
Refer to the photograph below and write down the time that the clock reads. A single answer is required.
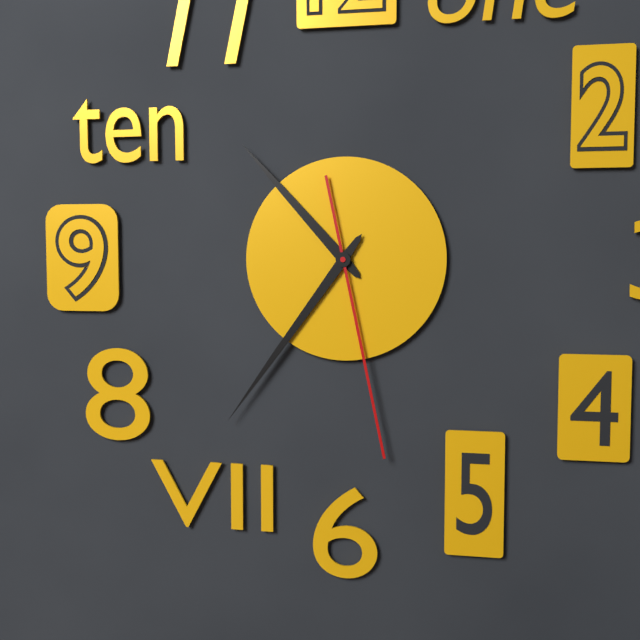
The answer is 10:36:28
